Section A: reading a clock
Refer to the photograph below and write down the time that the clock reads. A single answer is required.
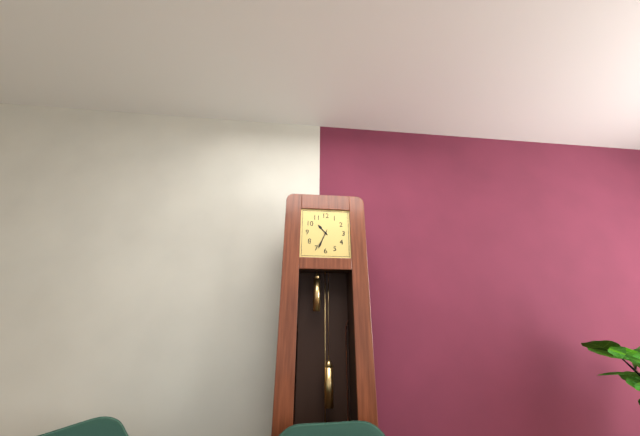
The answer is 10:34
